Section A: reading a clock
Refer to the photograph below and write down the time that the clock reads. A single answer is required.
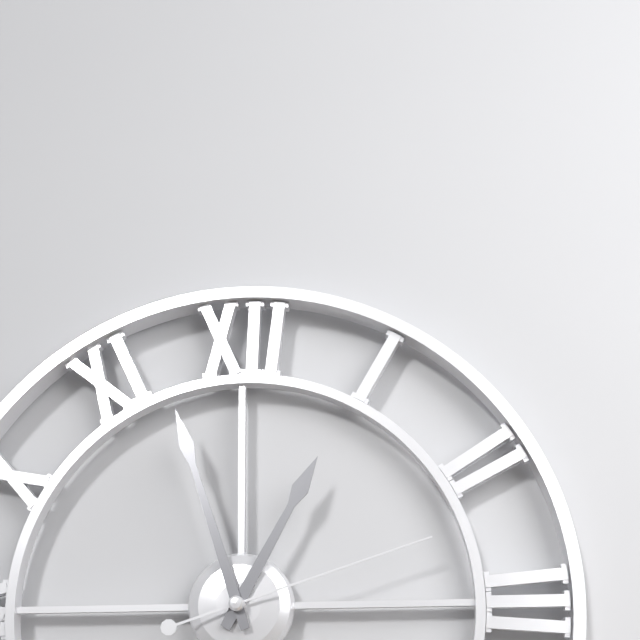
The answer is 12:57:12
